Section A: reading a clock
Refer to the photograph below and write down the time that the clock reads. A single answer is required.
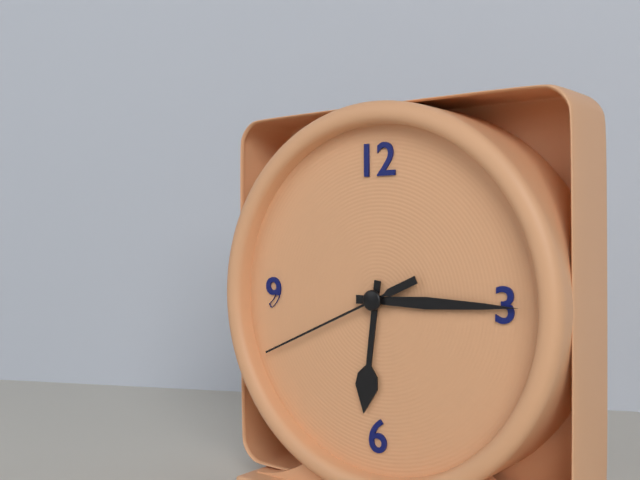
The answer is 6:15:41
